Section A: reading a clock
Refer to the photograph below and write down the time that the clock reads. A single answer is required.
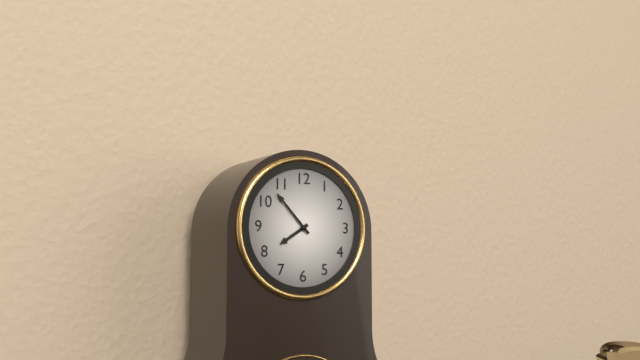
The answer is 7:53
